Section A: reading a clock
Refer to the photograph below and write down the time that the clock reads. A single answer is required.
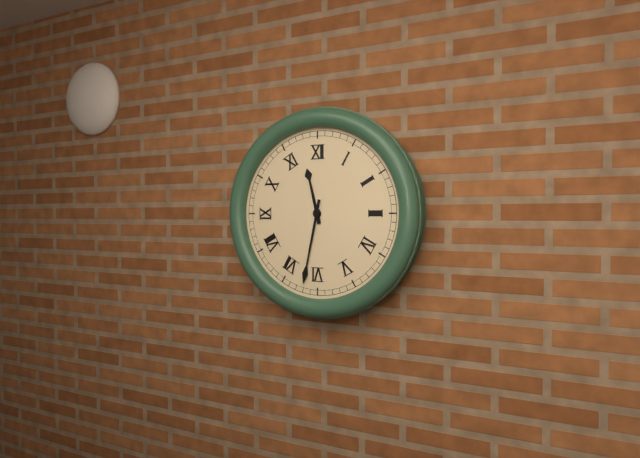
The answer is 11:32
